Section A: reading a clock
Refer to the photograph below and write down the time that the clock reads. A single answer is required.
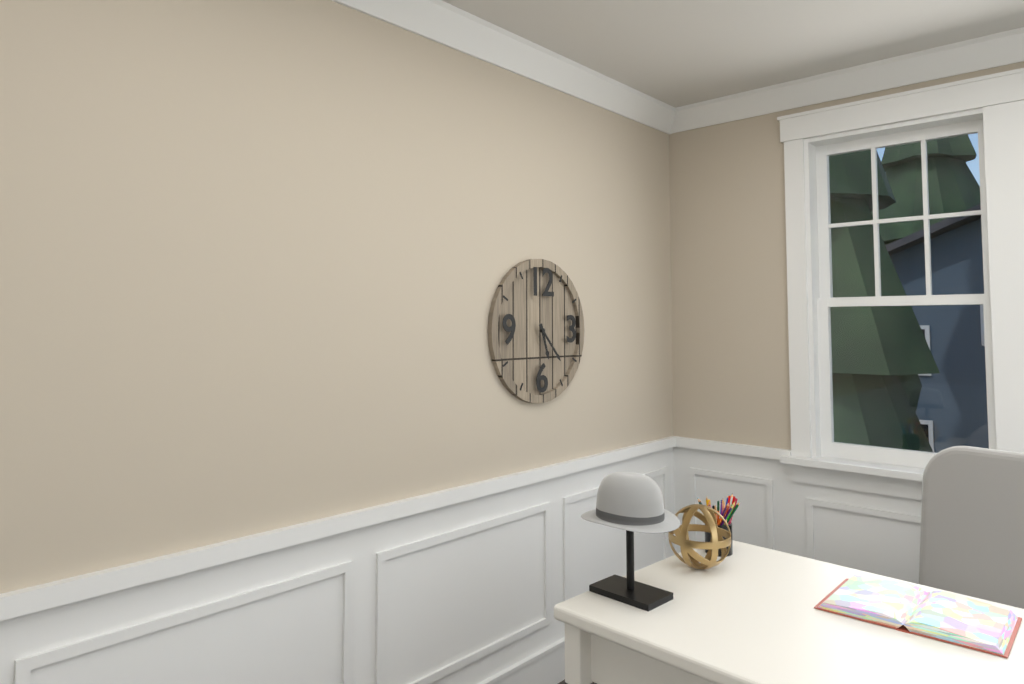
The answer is 5:23
